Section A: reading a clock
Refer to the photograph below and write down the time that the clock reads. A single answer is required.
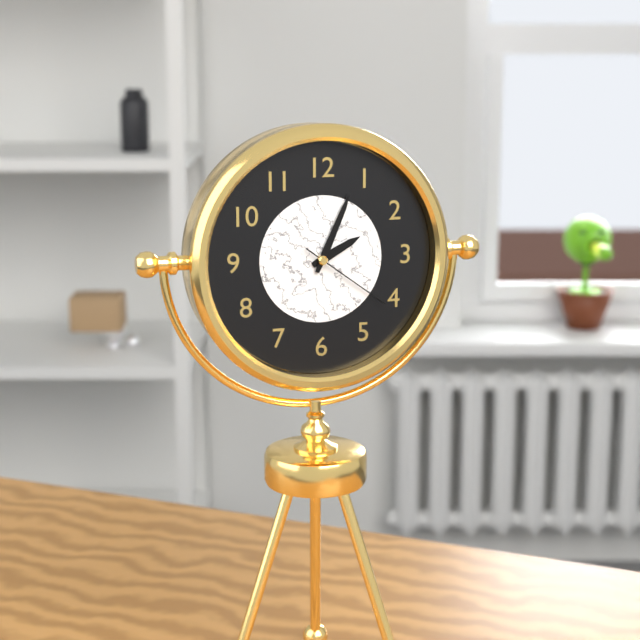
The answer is 2:04:21
